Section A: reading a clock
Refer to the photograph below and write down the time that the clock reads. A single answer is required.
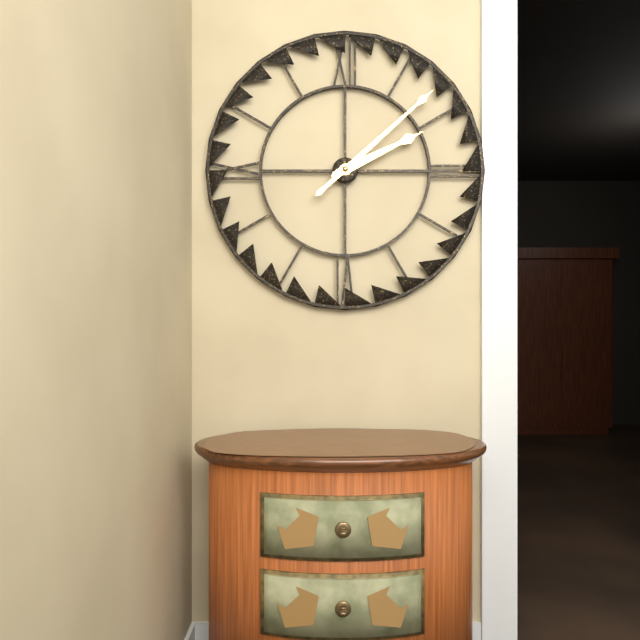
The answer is 2:08
